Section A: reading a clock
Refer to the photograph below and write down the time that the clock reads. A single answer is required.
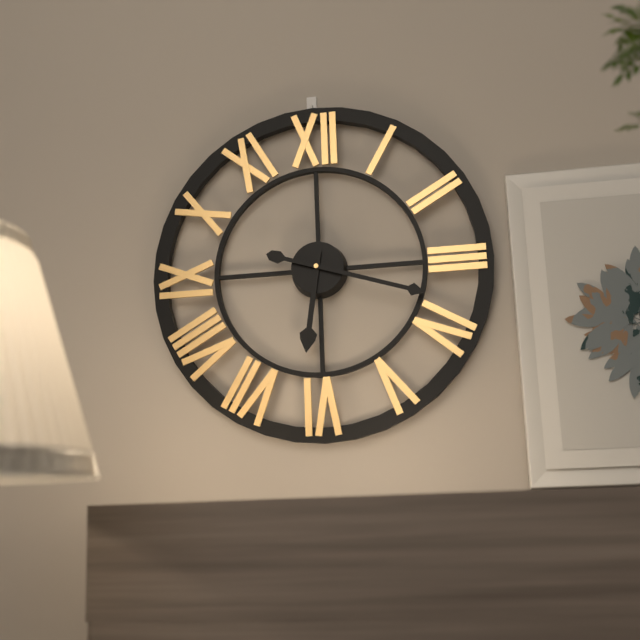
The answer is 6:18
